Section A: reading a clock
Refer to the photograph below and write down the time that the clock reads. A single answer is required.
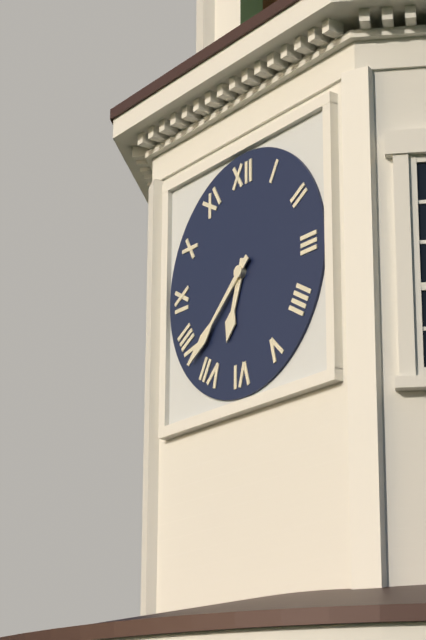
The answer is 6:38
